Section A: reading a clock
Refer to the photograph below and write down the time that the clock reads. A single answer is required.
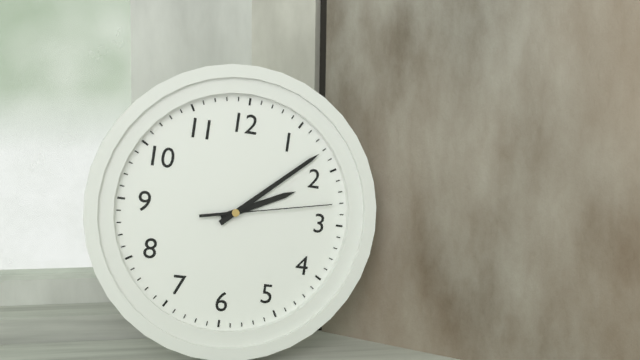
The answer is 2:08:13
